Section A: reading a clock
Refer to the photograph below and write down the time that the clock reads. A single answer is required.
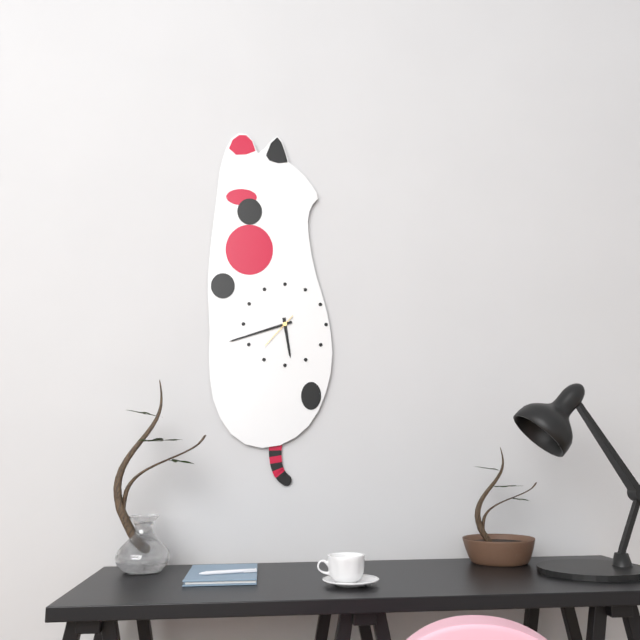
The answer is 5:42
